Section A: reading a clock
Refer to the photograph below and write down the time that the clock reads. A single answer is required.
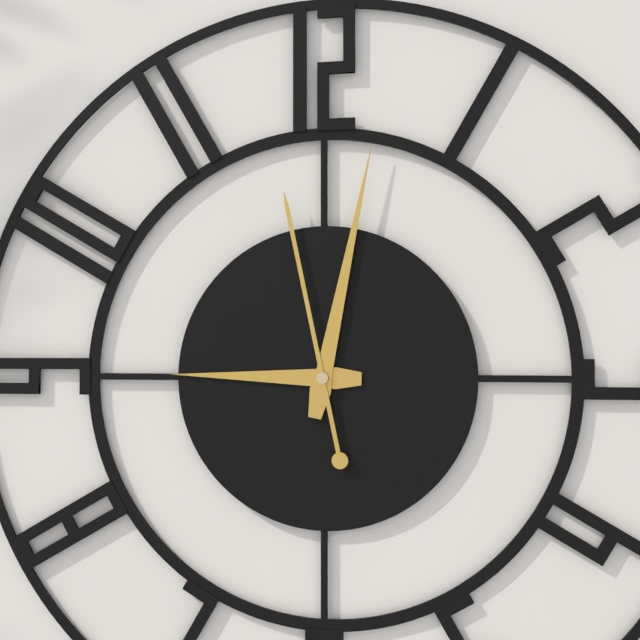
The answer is 9:02:58
